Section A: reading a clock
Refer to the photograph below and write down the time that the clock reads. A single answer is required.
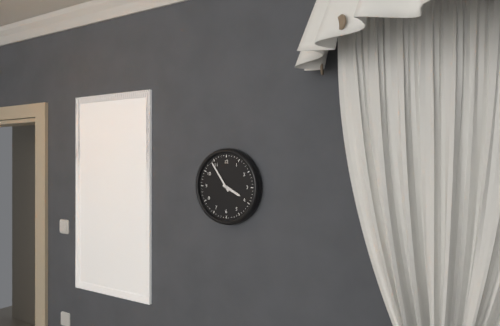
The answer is 3:54
